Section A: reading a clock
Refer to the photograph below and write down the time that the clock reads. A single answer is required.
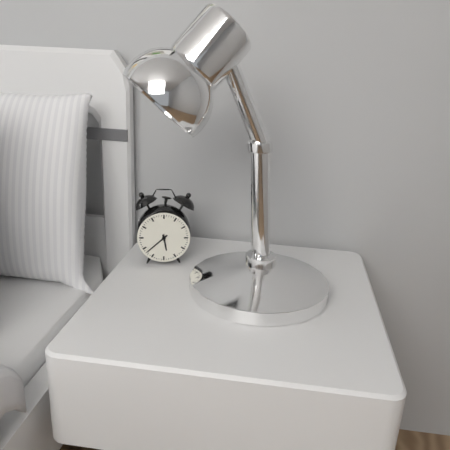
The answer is 5:38
